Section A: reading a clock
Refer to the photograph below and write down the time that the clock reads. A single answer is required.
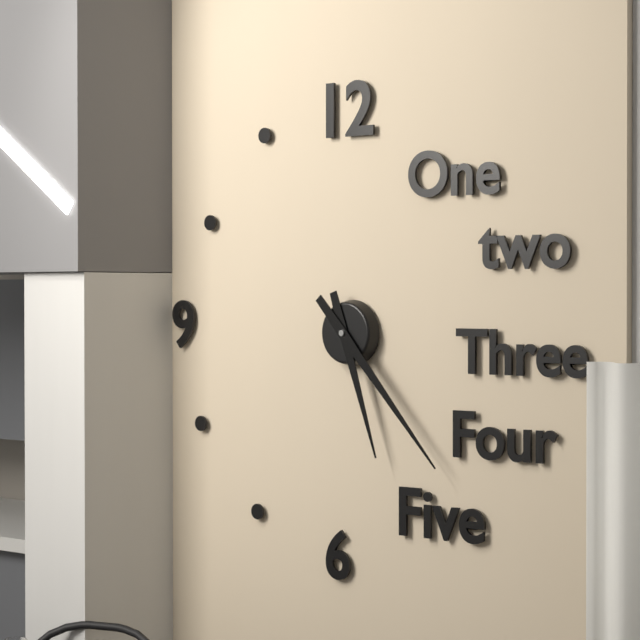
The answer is 5:23
